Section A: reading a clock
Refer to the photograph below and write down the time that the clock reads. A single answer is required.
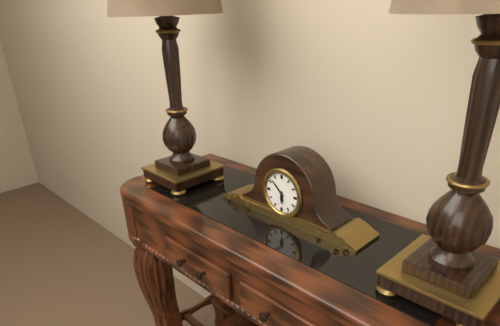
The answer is 5:52
